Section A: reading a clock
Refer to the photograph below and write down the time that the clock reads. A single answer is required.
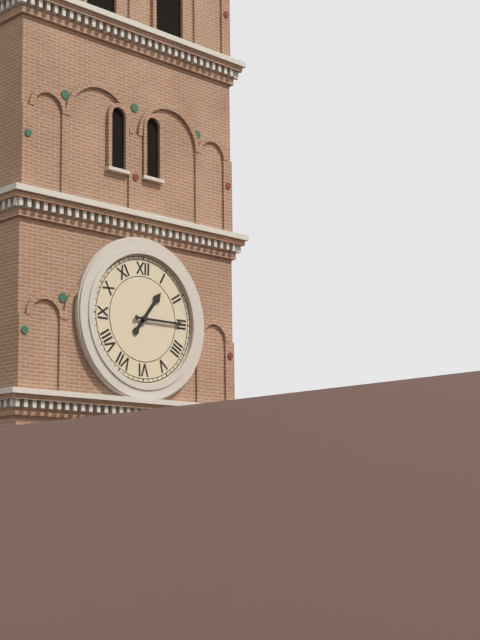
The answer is 1:15
